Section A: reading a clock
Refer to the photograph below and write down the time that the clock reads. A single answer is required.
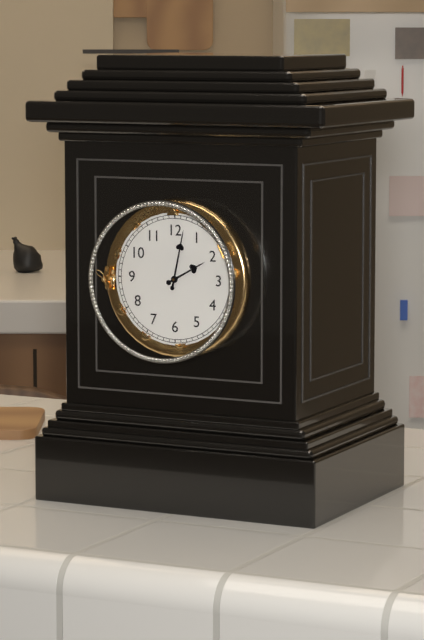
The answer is 2:02
